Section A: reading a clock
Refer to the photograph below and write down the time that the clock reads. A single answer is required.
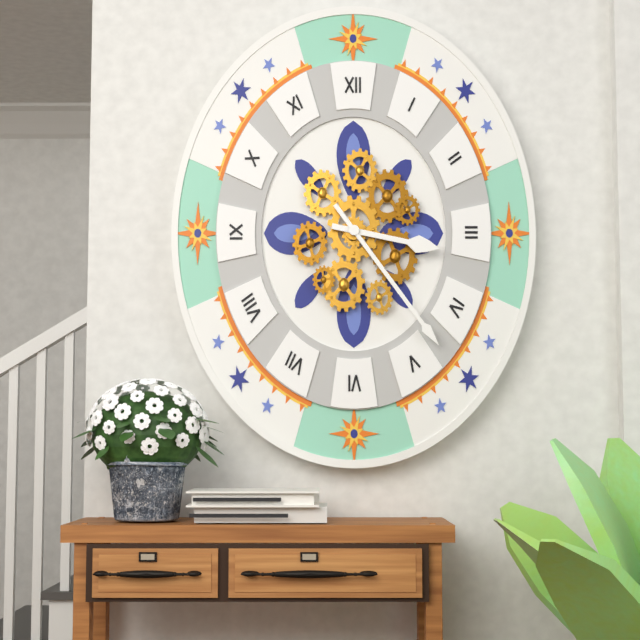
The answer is 3:24
